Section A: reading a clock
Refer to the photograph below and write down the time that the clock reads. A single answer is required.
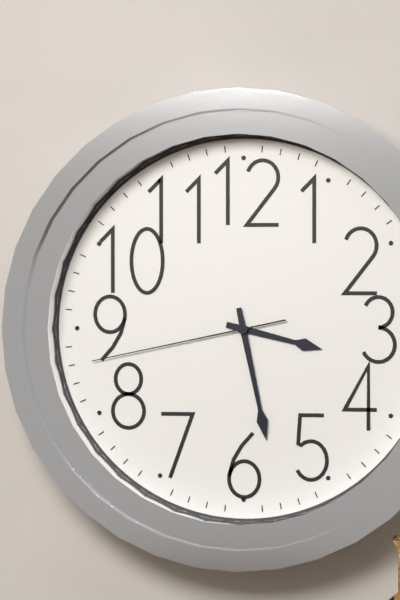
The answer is 3:28:43
